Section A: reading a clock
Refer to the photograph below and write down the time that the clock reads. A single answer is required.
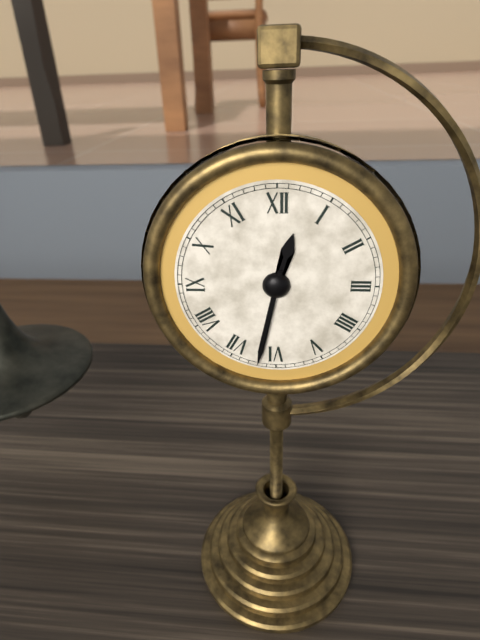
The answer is 12:32
